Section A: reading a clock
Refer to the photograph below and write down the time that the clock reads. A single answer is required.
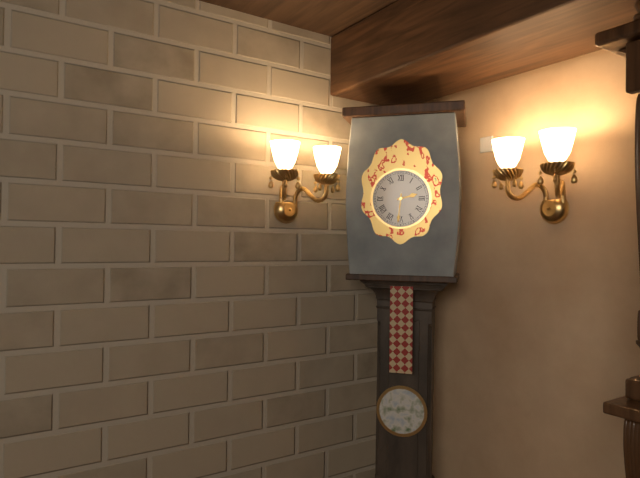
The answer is 2:31
